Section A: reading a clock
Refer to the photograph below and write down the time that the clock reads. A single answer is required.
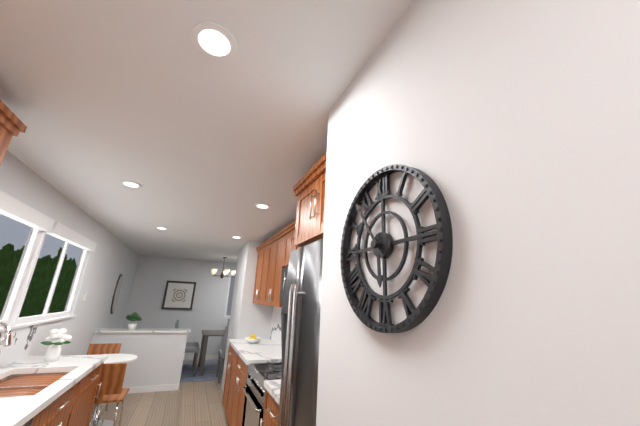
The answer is 5:54
